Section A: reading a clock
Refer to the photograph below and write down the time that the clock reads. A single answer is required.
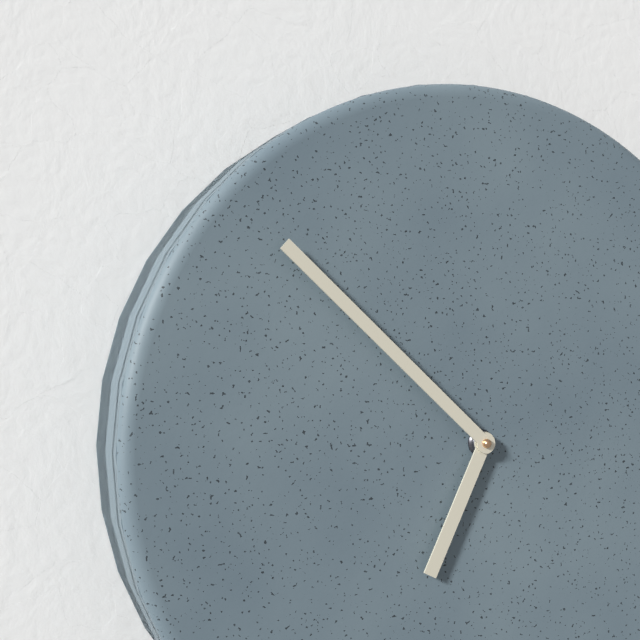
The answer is 6:52
